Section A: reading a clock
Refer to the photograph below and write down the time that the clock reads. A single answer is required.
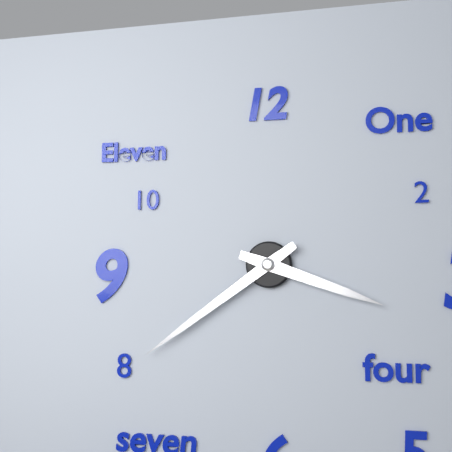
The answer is 3:39
